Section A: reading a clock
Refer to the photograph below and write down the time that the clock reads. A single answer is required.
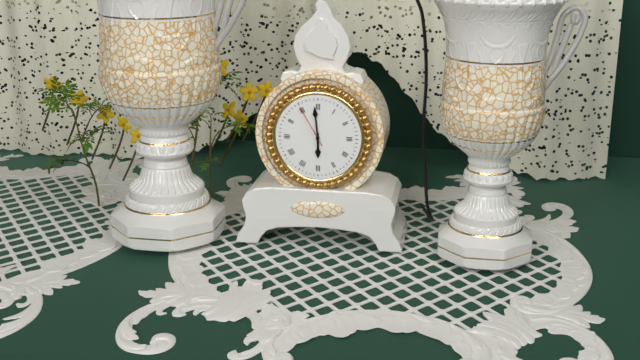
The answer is 5:59
